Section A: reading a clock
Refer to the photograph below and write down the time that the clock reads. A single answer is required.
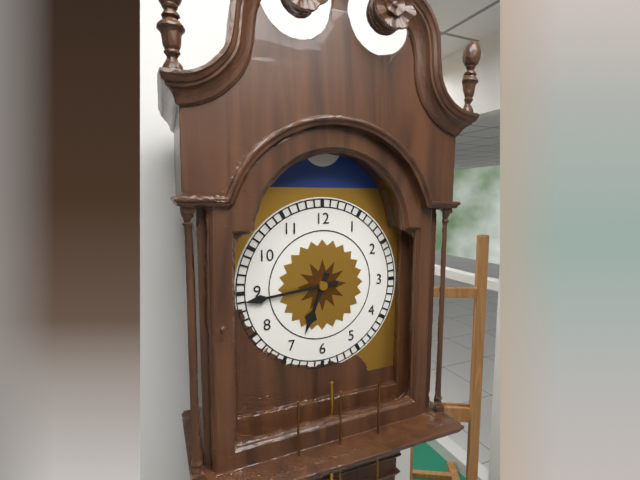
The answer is 6:44
